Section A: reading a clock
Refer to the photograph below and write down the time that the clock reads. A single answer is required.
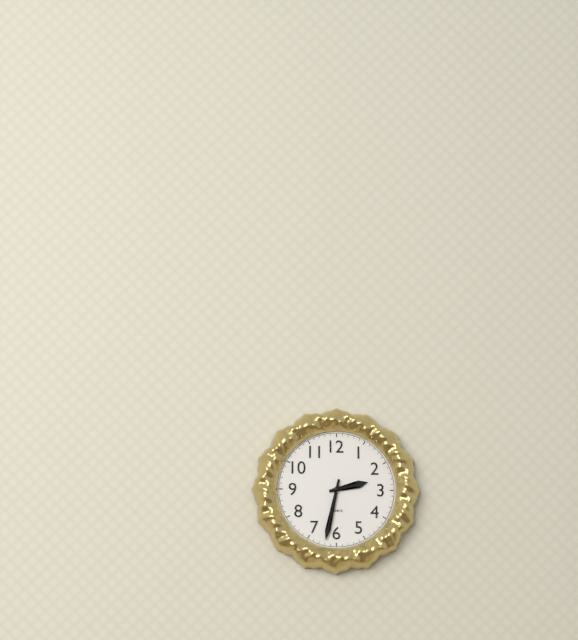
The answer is 2:32
